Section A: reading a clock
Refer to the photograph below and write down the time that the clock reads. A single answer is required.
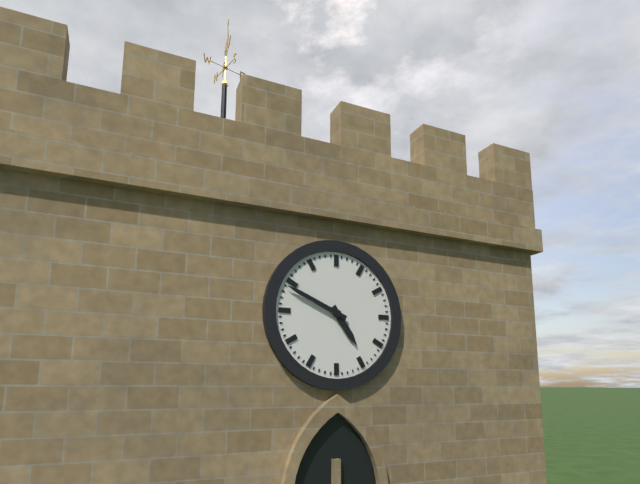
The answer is 4:49
